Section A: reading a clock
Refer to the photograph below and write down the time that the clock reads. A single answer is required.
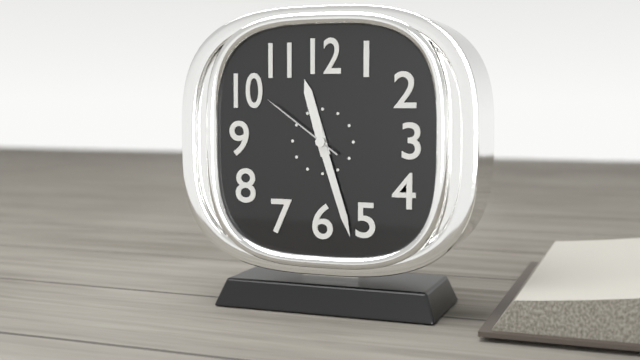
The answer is 11:27:51
